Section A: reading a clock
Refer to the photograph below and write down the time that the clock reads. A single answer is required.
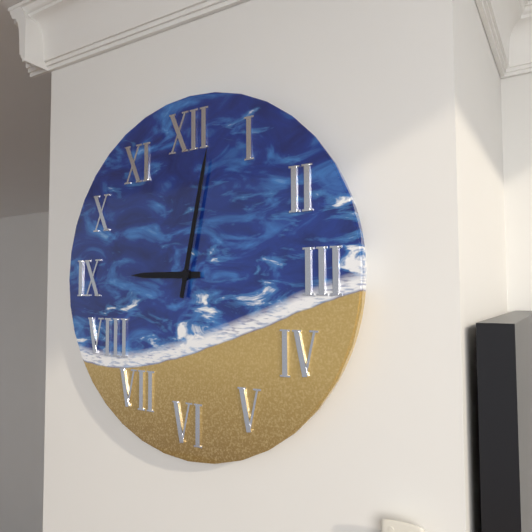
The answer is 9:02
